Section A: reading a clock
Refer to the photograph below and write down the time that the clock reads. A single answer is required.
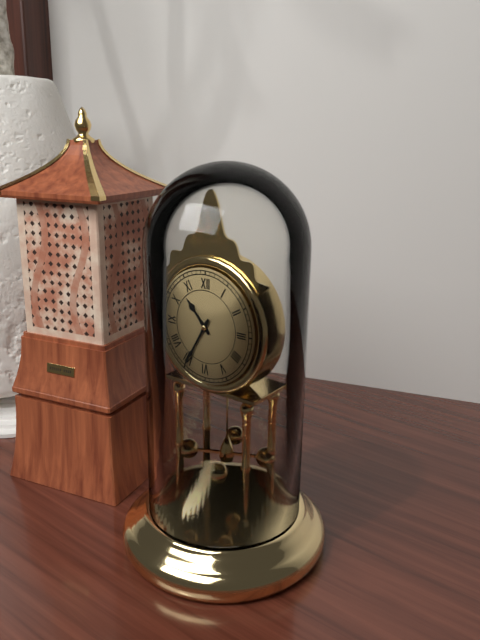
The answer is 10:35
